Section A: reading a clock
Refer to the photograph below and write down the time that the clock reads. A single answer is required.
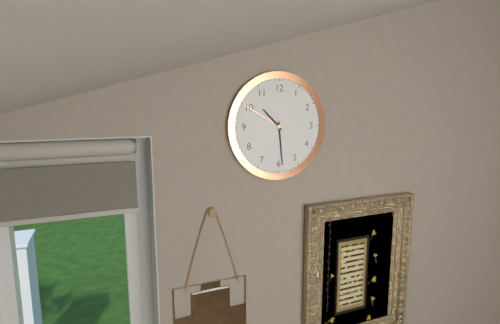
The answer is 10:29
